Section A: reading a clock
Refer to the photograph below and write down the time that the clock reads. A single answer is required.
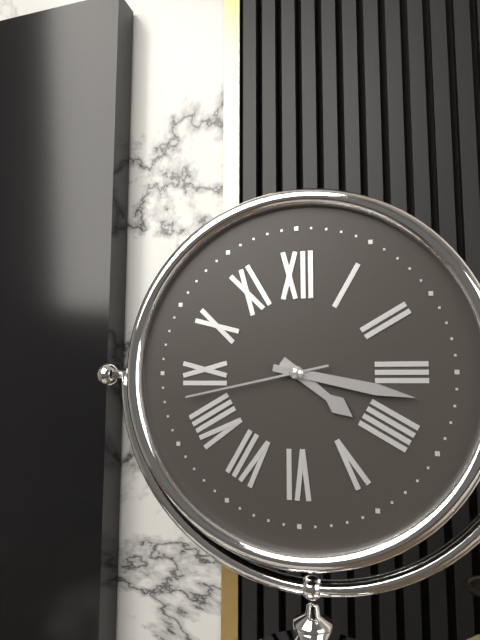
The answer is 4:17:43
